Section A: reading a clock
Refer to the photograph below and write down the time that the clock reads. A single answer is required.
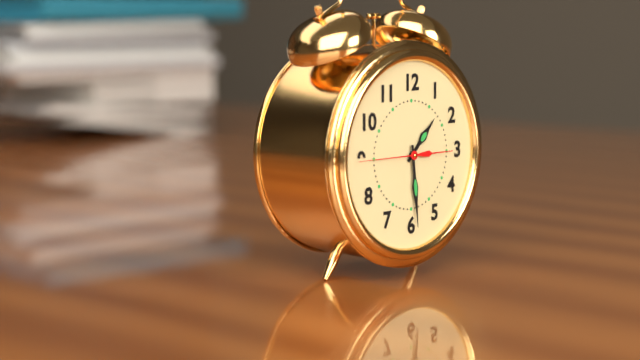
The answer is 1:29:45
